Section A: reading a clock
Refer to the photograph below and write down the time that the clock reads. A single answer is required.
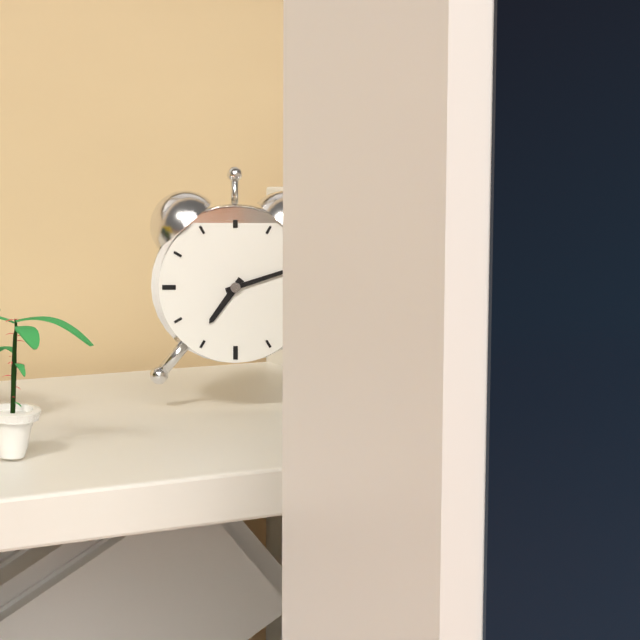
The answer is 7:12
